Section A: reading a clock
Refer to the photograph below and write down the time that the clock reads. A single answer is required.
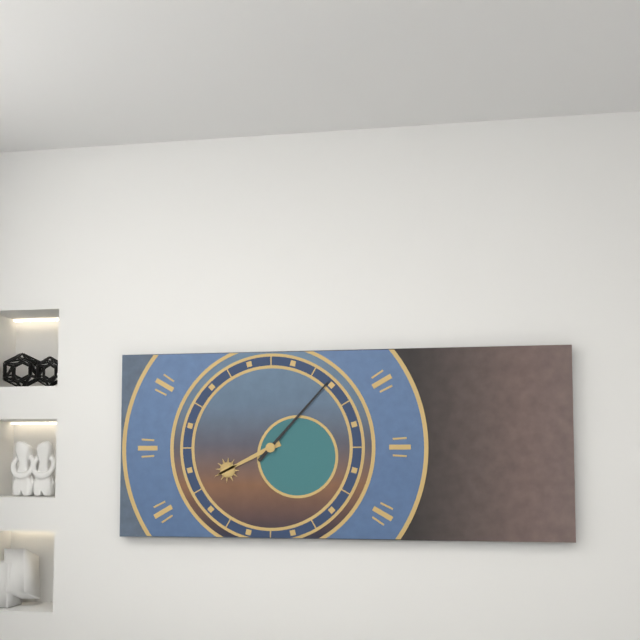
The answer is 8:07
